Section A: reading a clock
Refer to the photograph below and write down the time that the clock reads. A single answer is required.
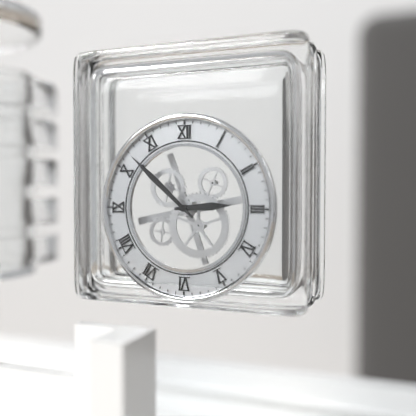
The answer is 2:52
